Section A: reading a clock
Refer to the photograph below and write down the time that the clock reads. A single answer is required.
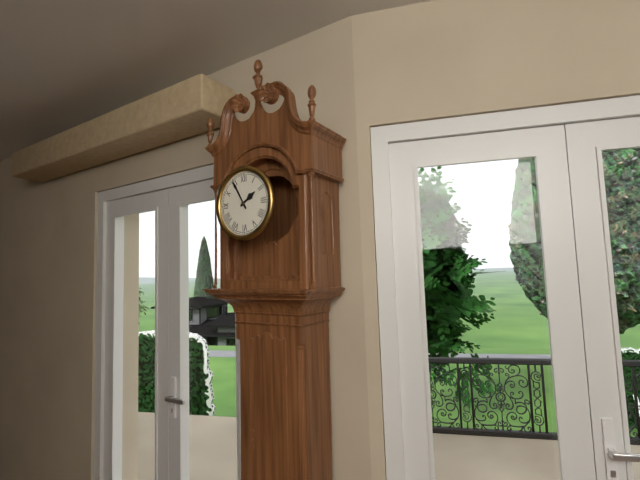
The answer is 1:55
